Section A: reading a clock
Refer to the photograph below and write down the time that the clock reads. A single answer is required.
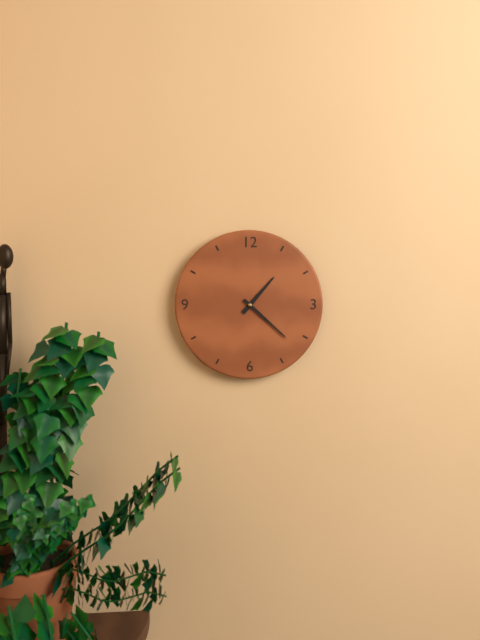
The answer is 1:22
